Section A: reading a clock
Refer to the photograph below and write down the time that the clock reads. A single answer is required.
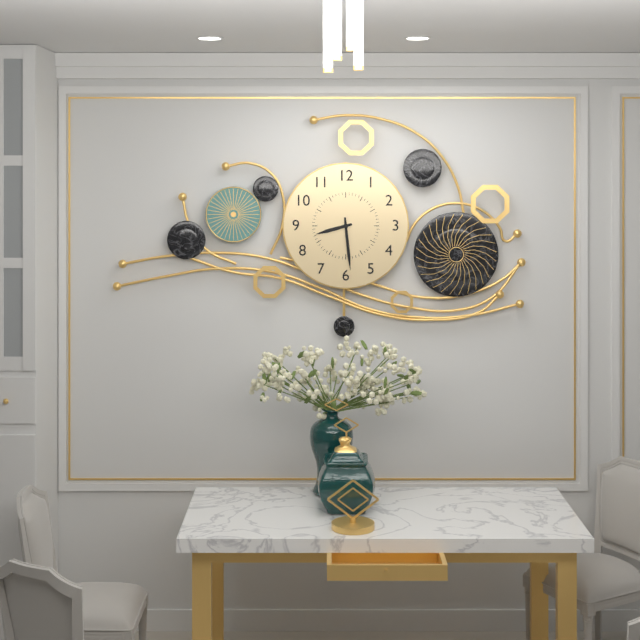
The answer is 8:29
